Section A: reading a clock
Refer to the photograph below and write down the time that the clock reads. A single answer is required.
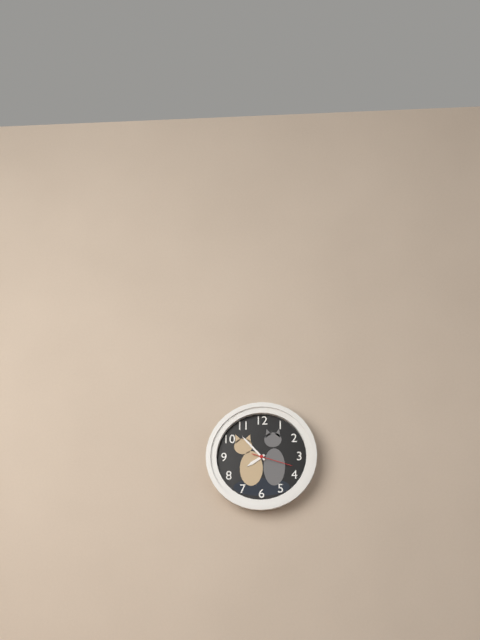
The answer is 7:53
